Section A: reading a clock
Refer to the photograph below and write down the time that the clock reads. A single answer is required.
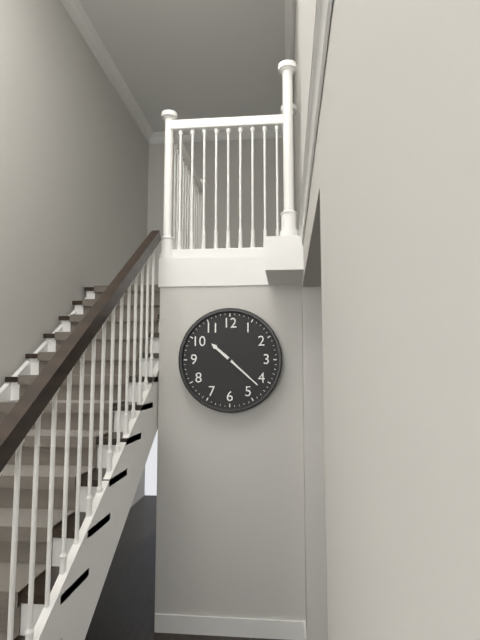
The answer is 10:22
